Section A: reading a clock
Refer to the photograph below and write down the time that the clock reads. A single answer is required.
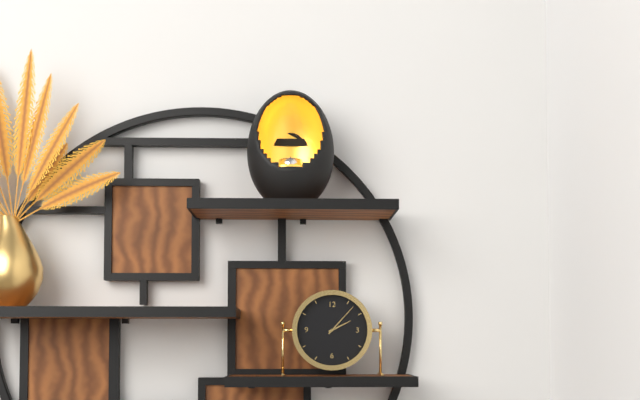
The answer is 2:07
